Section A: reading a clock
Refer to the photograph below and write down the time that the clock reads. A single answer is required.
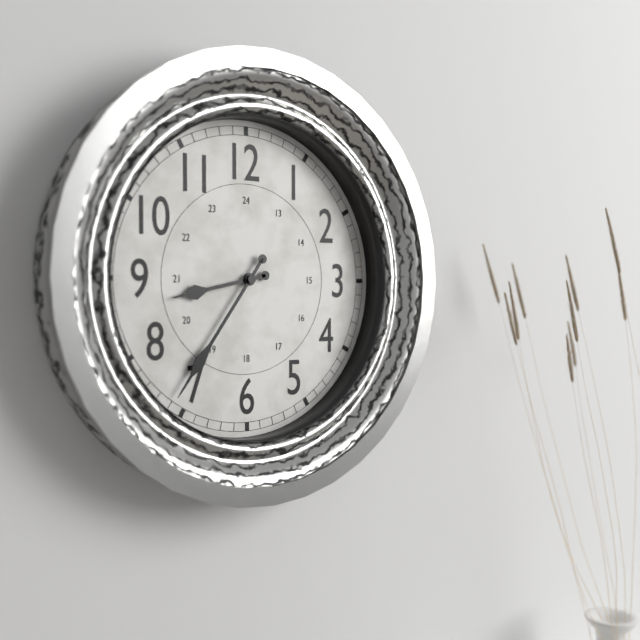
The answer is 8:36
